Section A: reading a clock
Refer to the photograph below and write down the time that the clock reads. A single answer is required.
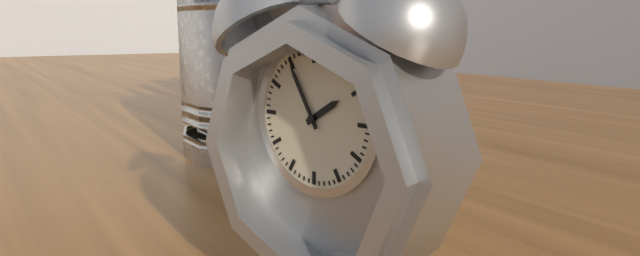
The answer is 1:55
